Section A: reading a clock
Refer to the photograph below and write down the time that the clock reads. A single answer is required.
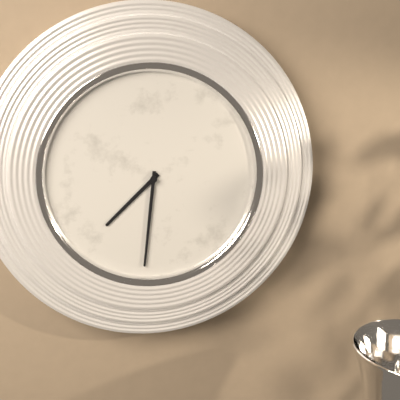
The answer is 7:31
